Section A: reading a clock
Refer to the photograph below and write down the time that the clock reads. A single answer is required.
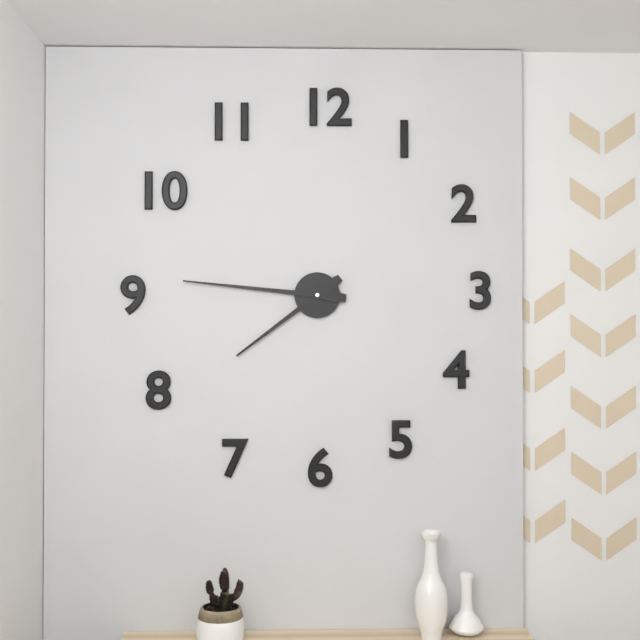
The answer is 7:46
